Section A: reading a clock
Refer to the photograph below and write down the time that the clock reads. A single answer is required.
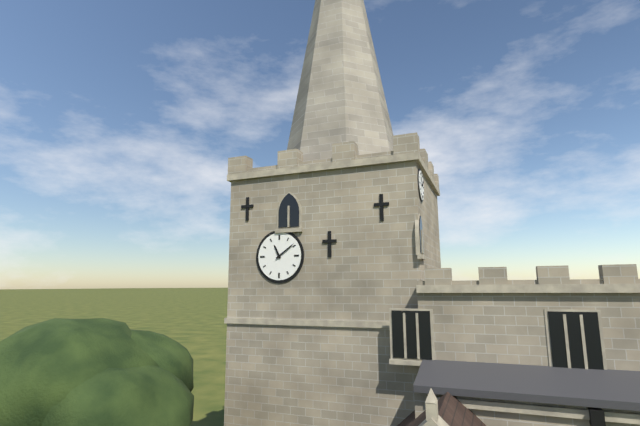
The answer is 11:09
